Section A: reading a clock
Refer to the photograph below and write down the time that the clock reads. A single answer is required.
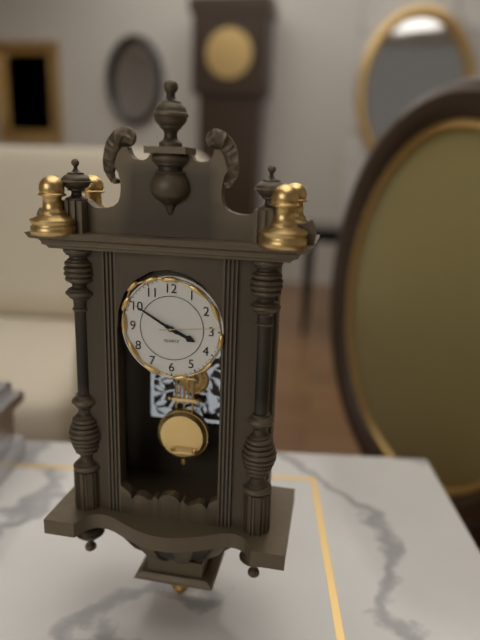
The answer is 3:50:14
